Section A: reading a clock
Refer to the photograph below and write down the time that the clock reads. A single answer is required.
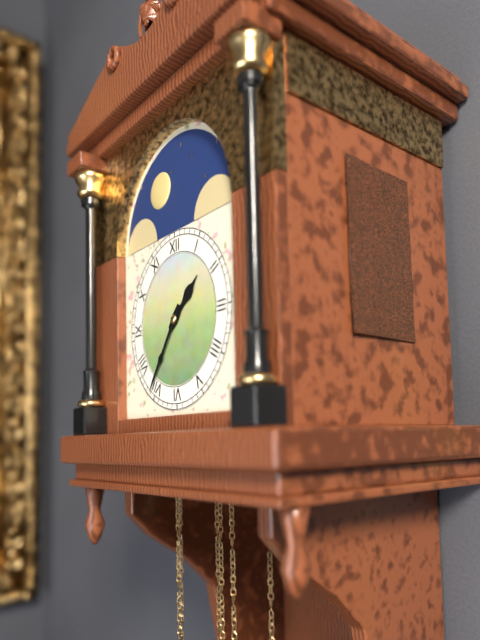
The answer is 1:36
